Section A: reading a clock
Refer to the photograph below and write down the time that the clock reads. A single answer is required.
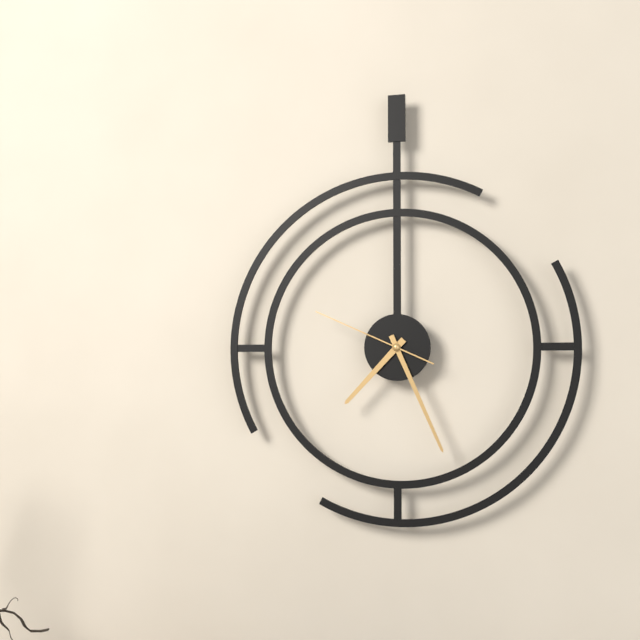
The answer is 7:26:49
